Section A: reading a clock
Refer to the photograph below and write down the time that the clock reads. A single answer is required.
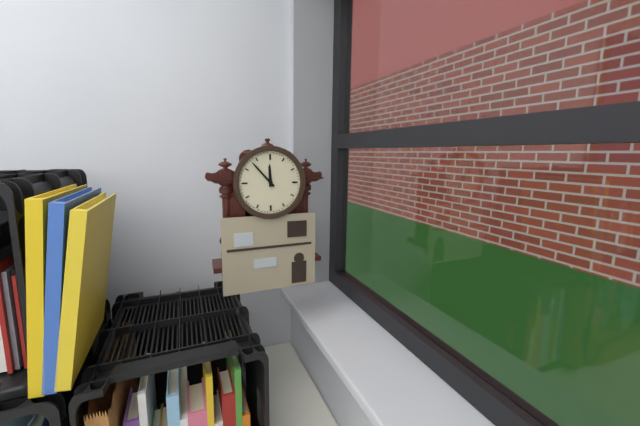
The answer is 11:53
